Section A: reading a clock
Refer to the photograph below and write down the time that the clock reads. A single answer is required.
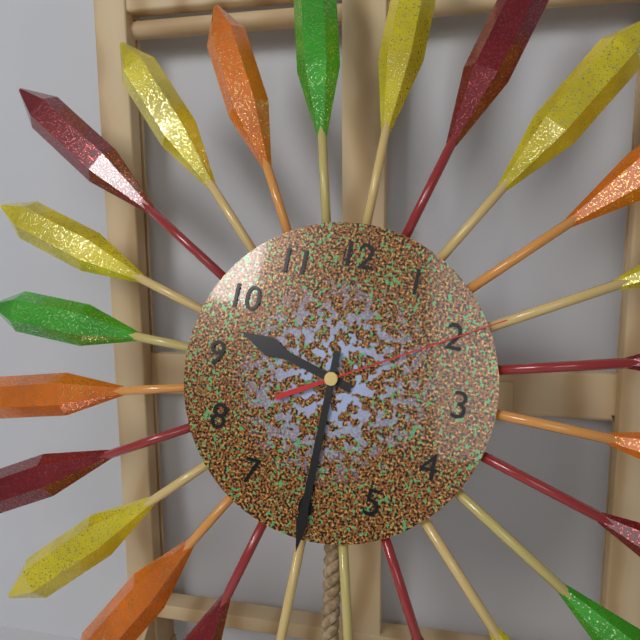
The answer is 9:30:10
